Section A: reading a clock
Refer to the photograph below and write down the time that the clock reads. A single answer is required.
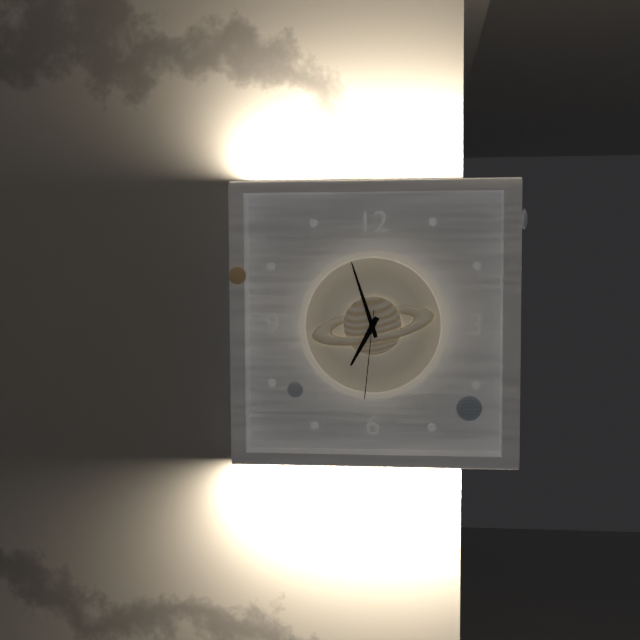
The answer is 6:57:31
